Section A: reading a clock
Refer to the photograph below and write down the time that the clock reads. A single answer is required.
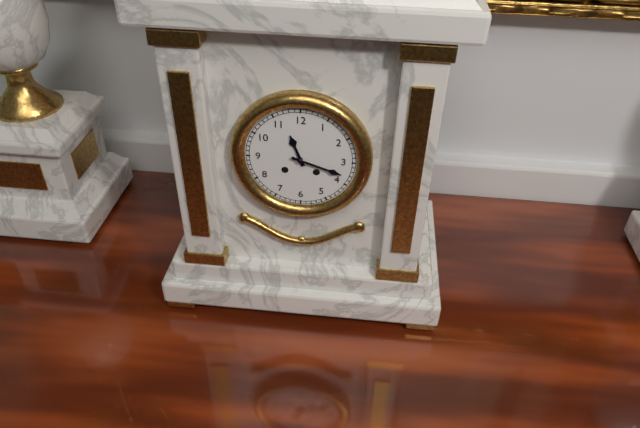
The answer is 11:18
